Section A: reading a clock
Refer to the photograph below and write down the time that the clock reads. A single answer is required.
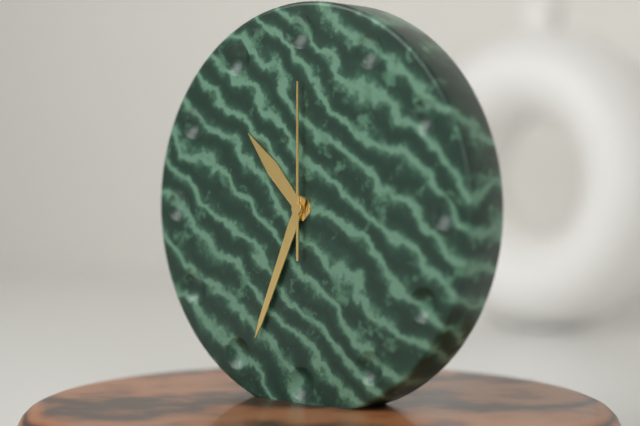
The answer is 10:34:00
